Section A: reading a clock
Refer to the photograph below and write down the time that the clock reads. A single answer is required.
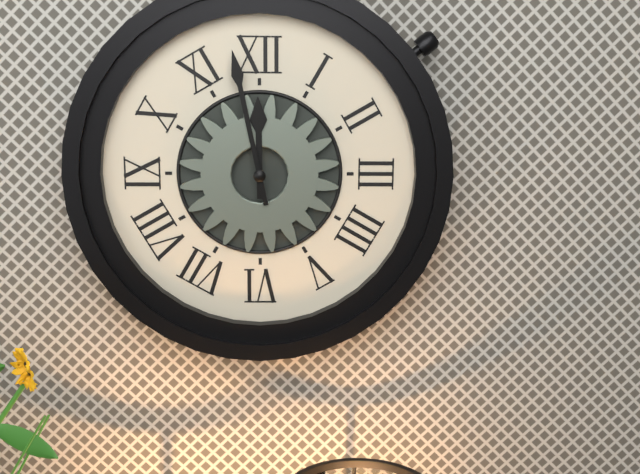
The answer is 11:58
